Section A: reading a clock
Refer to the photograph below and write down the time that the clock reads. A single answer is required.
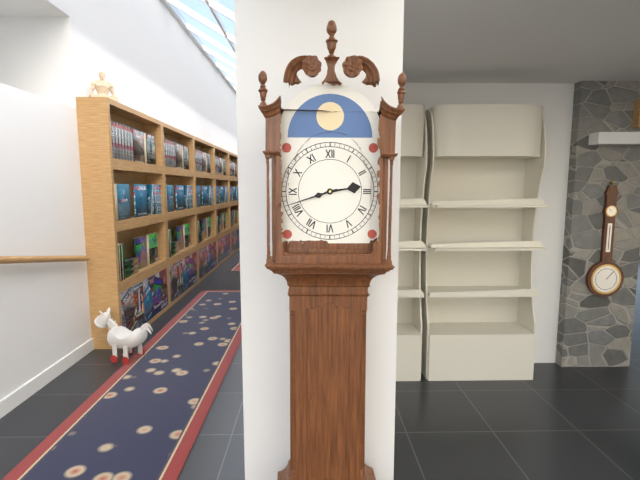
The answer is 2:42
